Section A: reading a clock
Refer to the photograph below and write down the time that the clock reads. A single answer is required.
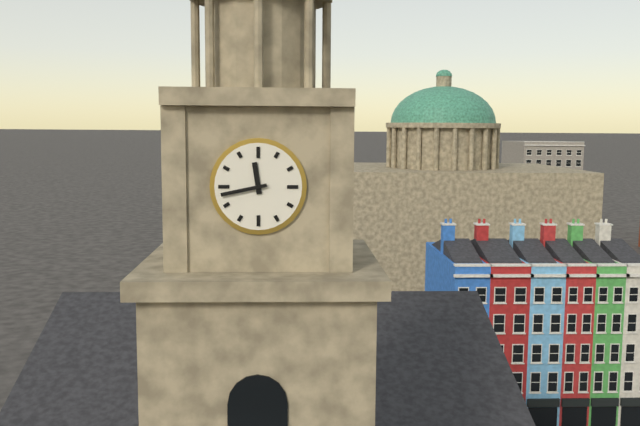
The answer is 11:43
